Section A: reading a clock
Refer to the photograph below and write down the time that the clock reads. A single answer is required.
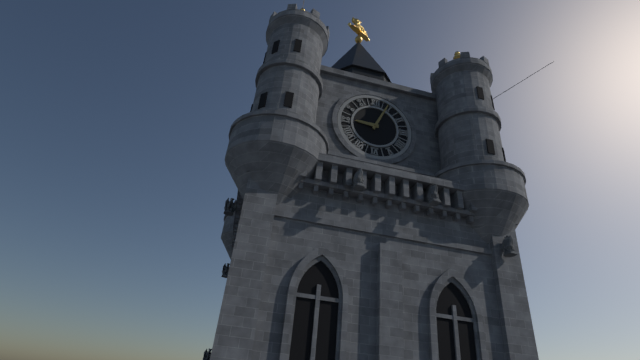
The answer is 9:04
